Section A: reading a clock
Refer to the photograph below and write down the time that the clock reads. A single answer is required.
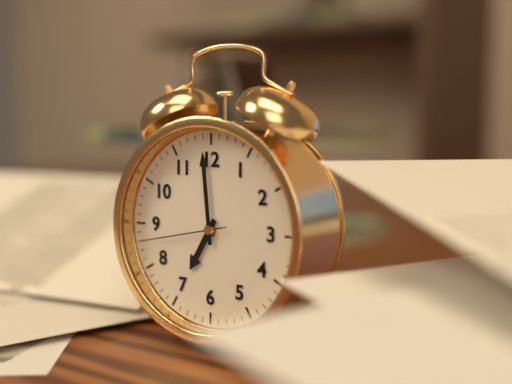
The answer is 6:59:43
